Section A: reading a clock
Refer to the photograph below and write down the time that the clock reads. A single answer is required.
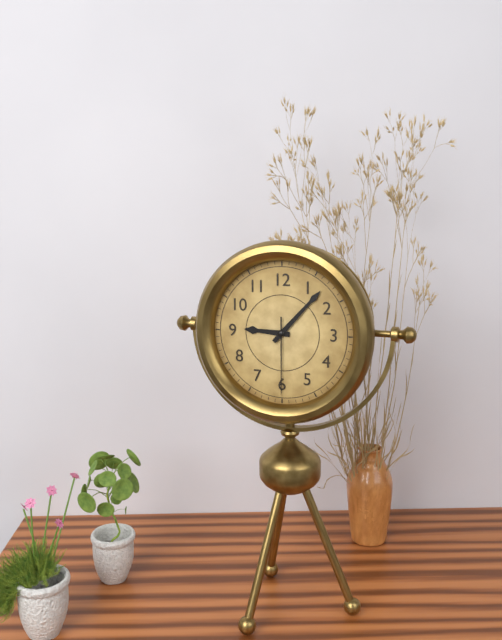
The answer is 9:07:30
